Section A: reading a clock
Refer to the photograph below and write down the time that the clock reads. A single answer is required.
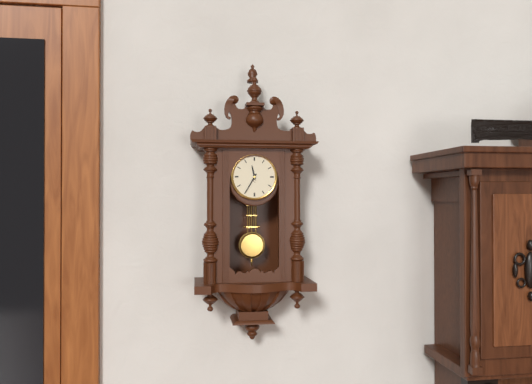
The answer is 11:35
